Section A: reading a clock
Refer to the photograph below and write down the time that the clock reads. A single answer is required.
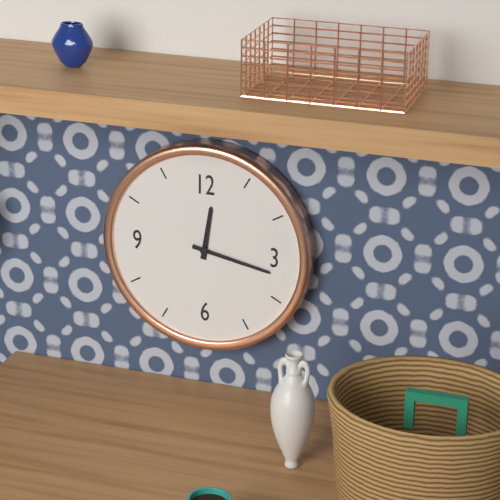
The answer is 12:17
